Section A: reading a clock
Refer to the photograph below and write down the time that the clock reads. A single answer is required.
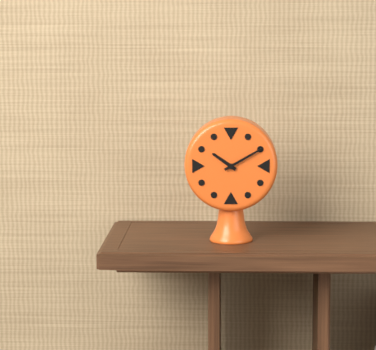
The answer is 10:10
